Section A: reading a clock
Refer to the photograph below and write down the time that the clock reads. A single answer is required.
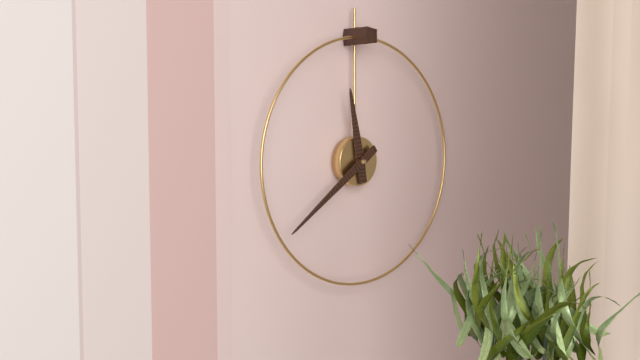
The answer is 11:39
